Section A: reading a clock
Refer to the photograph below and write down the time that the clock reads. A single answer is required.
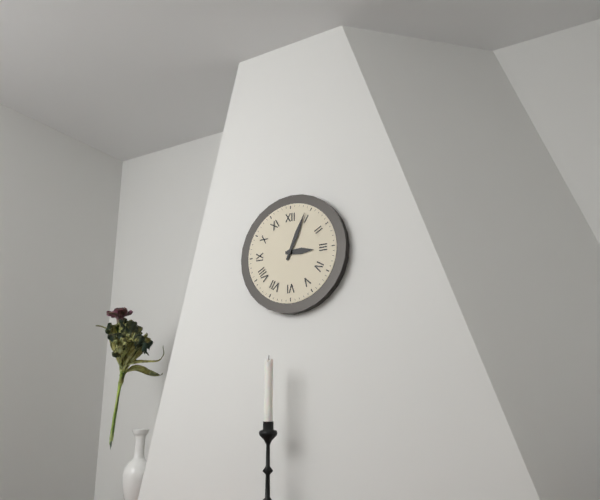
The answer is 3:04
